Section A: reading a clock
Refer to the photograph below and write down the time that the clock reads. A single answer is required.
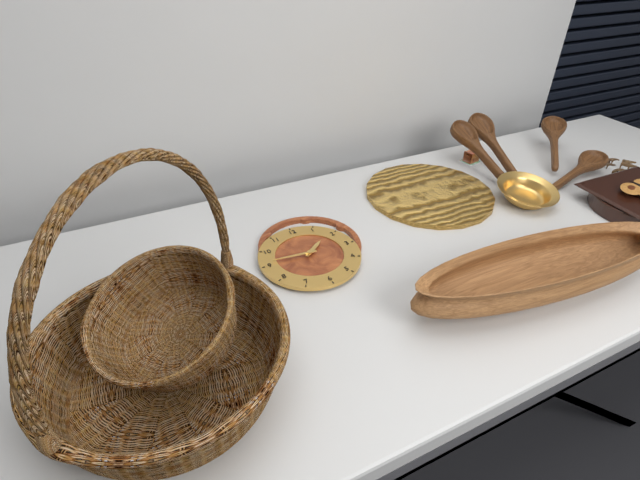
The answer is 1:46
